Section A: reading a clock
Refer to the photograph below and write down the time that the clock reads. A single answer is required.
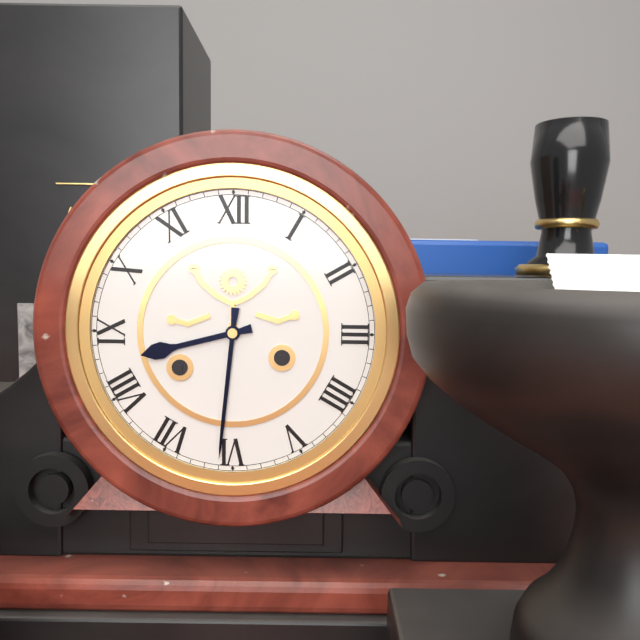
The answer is 8:31
